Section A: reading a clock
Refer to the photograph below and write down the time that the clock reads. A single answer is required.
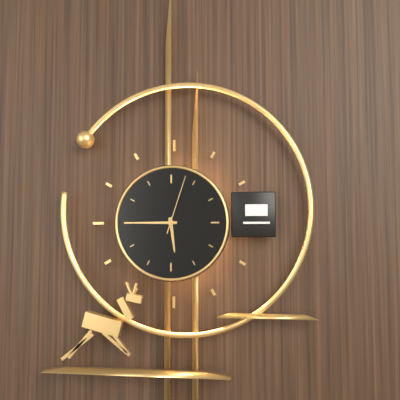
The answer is 5:45:03
